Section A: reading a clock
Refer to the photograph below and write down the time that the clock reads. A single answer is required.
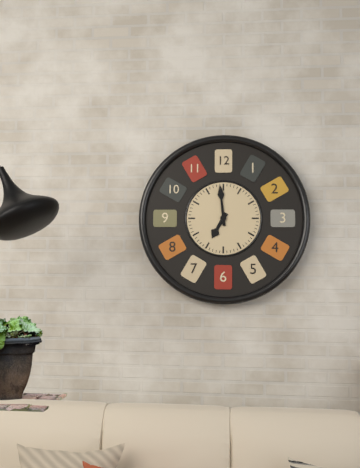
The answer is 6:59
